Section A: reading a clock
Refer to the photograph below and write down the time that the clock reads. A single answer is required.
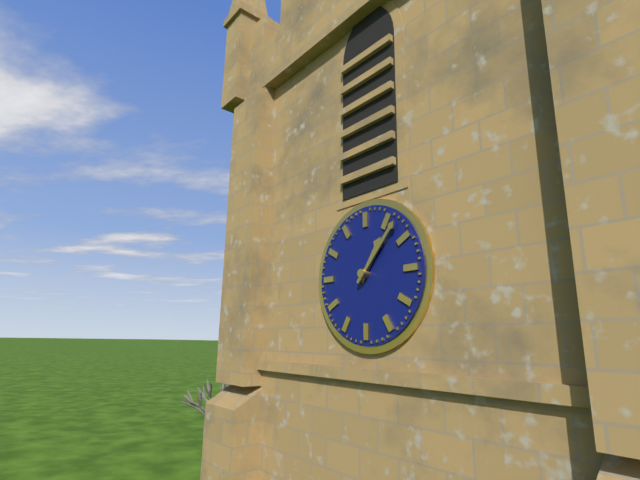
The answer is 1:07
